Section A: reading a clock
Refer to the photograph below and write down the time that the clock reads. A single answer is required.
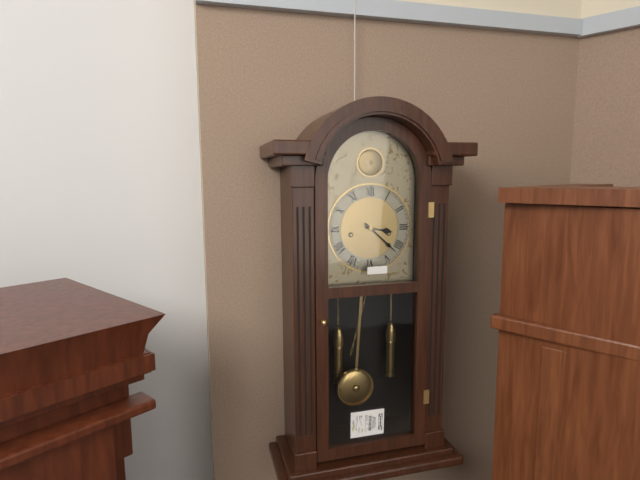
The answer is 3:22
